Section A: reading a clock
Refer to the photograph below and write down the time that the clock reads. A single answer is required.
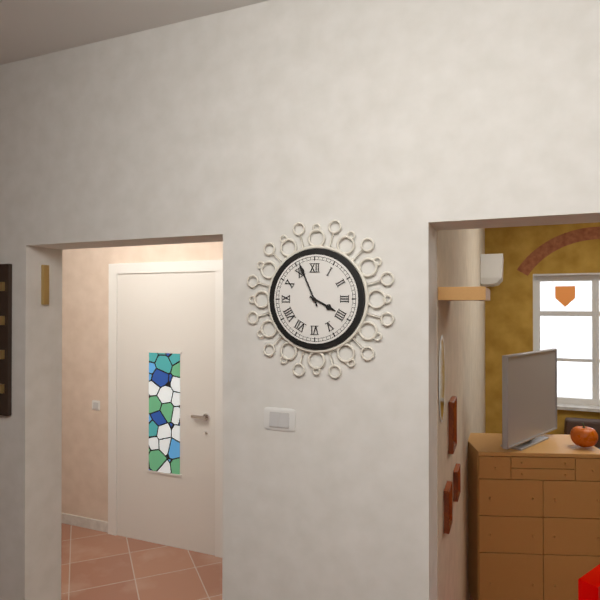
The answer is 3:56
